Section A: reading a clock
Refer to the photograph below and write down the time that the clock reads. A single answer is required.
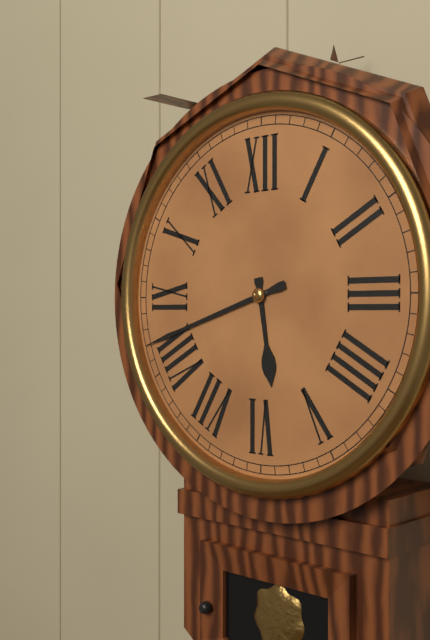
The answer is 5:42
